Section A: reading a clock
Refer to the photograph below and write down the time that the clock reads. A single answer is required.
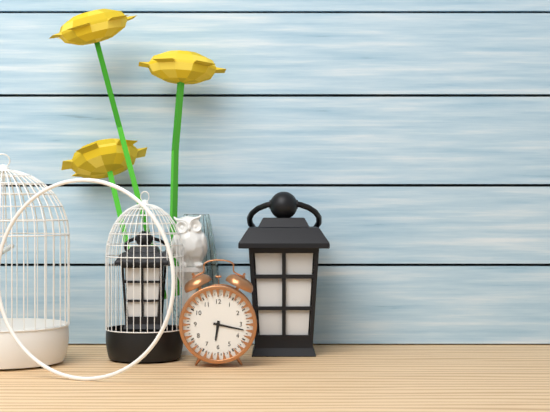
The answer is 6:17
